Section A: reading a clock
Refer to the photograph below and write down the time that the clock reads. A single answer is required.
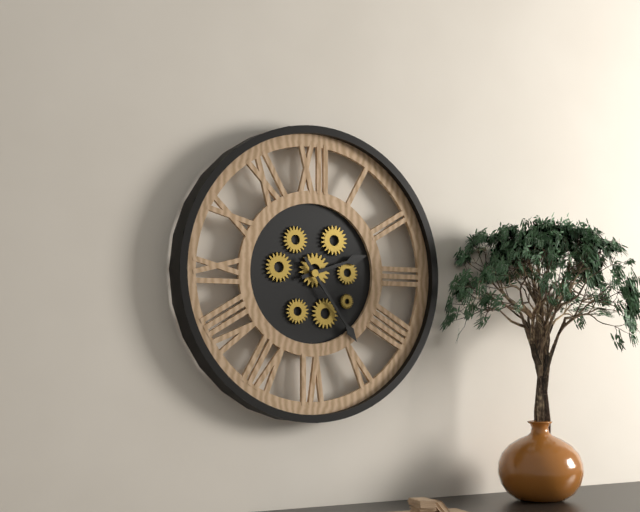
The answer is 2:24
